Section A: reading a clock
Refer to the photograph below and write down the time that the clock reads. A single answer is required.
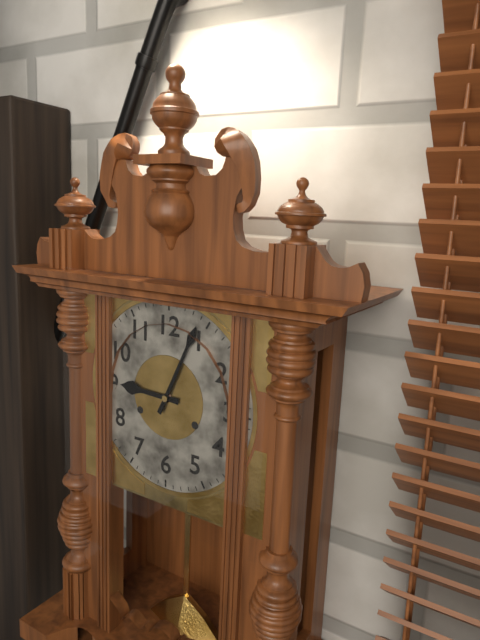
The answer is 9:04
